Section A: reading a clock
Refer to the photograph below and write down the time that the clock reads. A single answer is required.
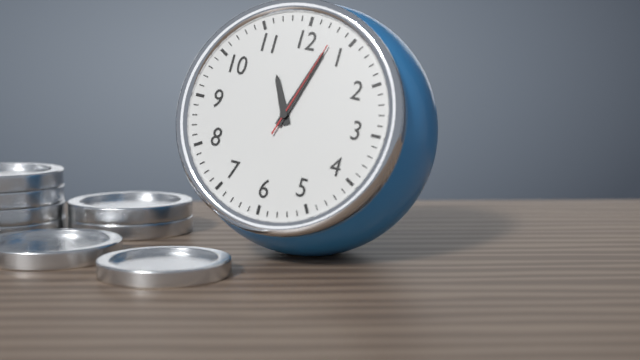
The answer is 11:03:03
